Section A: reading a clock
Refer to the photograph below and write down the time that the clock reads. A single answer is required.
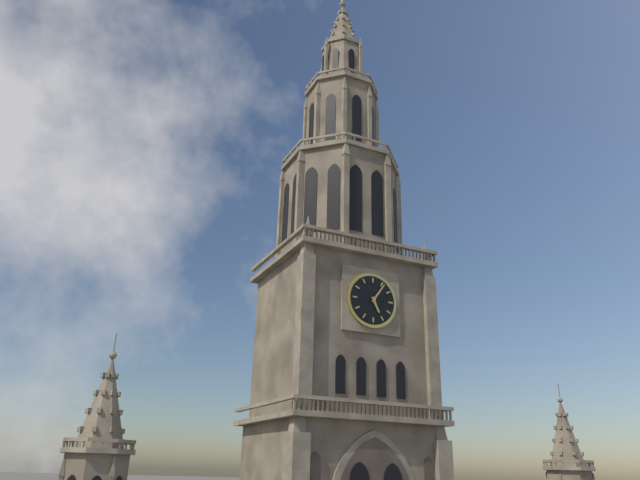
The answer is 5:06
